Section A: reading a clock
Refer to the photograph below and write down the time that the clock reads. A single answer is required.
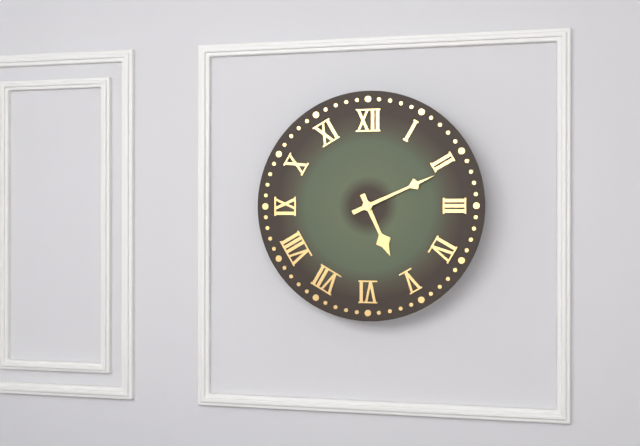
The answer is 5:11
